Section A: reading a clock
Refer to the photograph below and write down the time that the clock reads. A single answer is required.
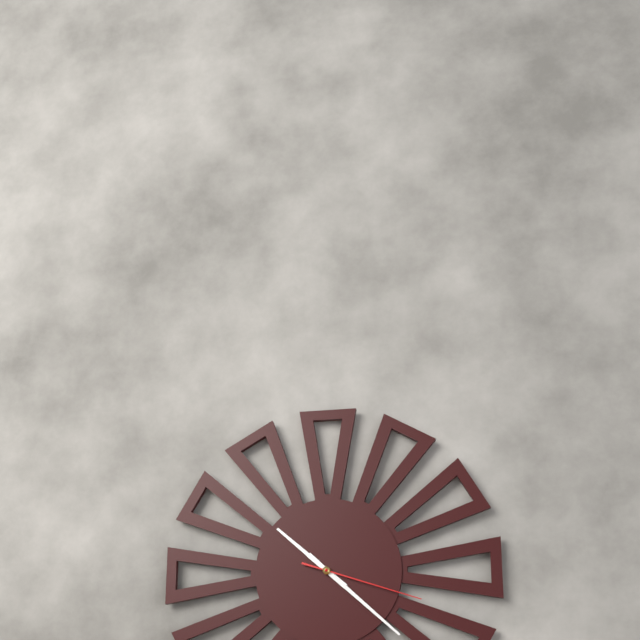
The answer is 10:22:18
